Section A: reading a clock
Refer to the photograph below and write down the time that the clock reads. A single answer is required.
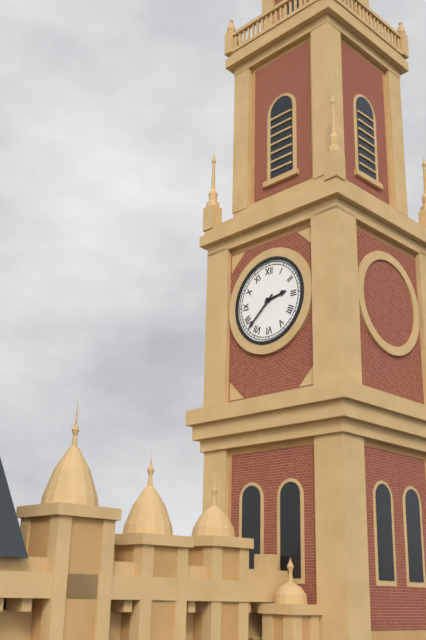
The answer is 2:38
